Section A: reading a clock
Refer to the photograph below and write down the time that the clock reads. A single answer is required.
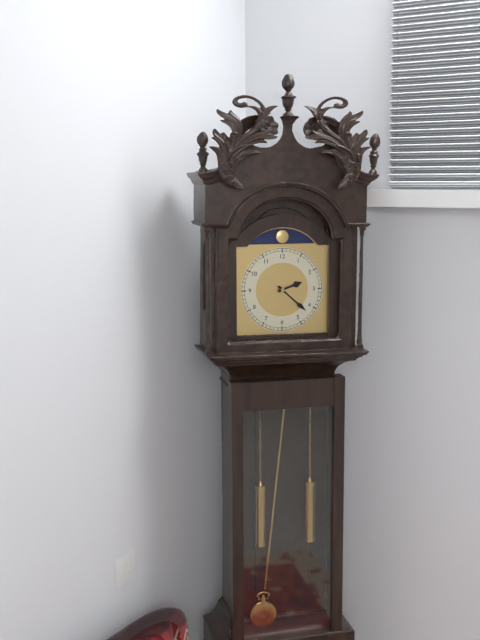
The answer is 2:22
